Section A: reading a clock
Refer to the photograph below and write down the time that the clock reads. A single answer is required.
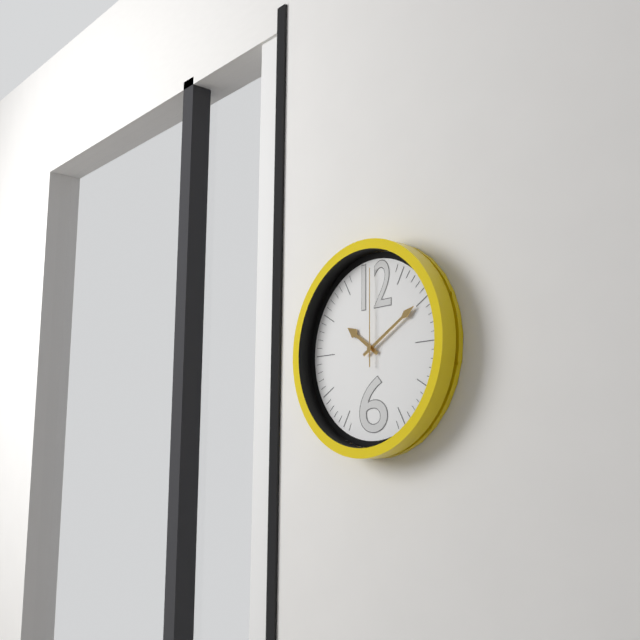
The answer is 10:10:00
